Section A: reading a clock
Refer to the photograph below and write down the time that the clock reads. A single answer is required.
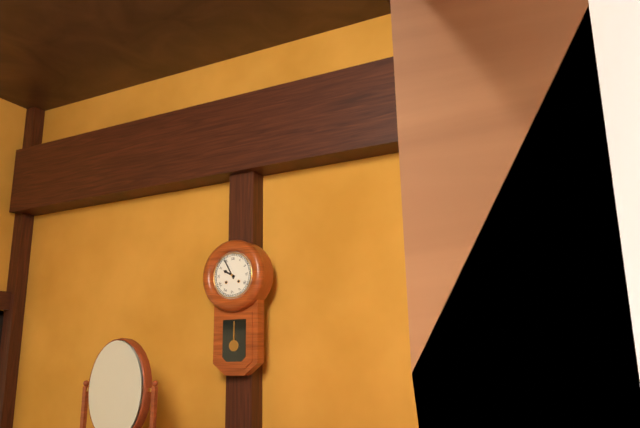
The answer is 9:55
